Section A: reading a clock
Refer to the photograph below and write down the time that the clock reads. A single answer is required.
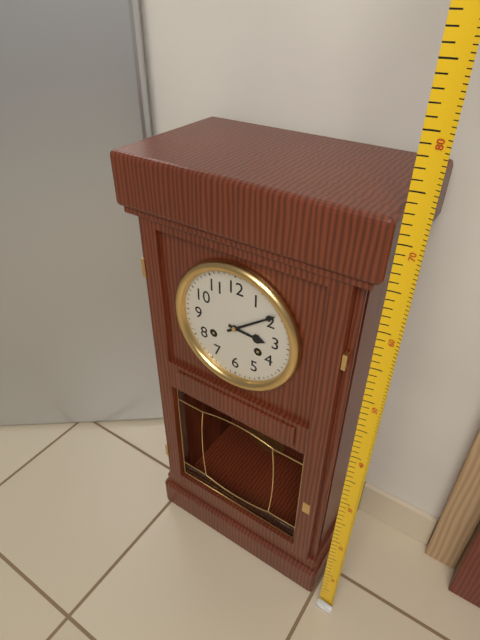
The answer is 3:09
